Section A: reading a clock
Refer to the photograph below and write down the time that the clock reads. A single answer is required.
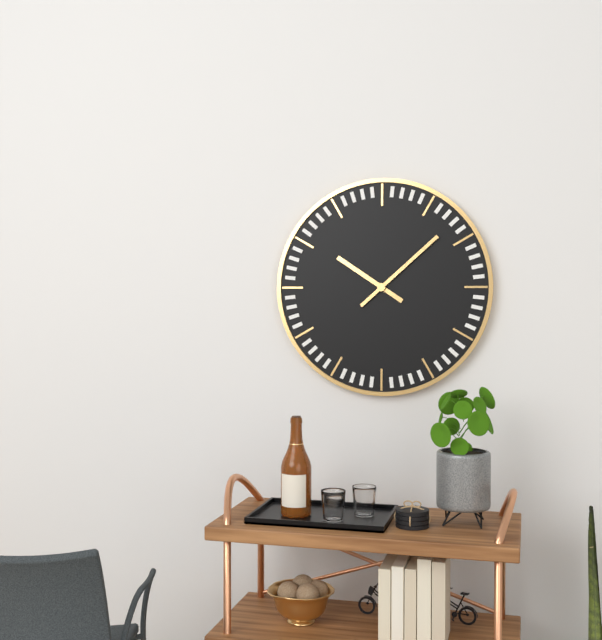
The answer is 10:08
